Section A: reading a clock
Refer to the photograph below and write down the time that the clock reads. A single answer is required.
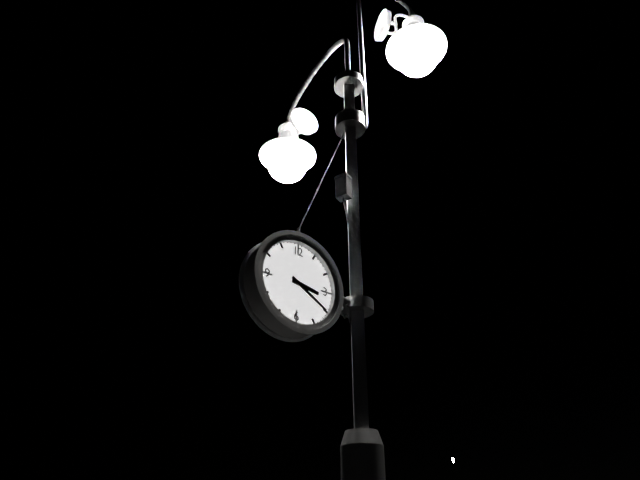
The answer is 3:20
